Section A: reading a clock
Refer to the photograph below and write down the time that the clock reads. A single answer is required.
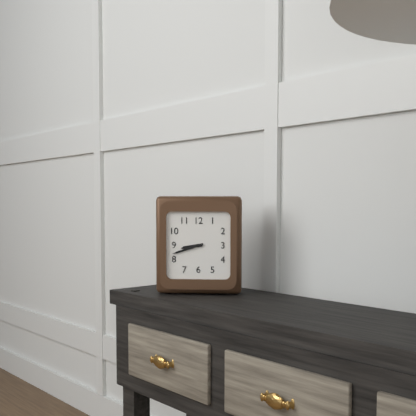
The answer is 8:42
